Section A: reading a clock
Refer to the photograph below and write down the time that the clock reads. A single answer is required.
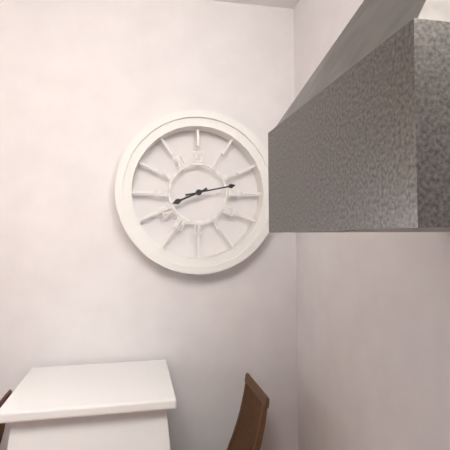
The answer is 8:13
